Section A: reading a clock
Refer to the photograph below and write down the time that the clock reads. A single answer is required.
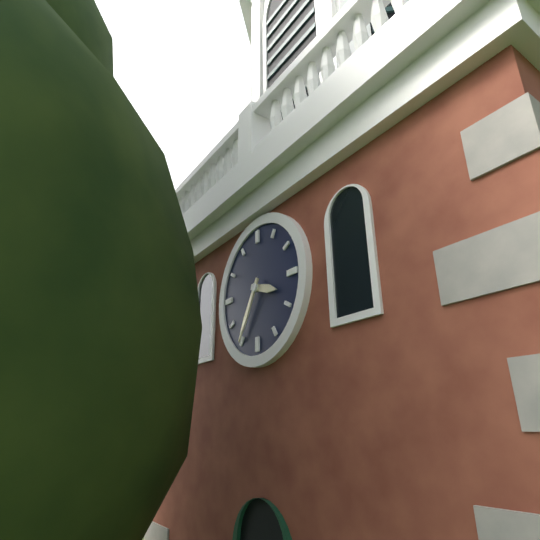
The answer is 3:35
